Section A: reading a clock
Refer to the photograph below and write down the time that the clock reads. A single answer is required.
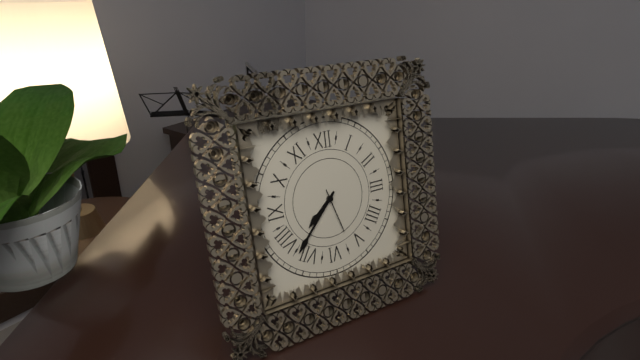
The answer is 7:37
